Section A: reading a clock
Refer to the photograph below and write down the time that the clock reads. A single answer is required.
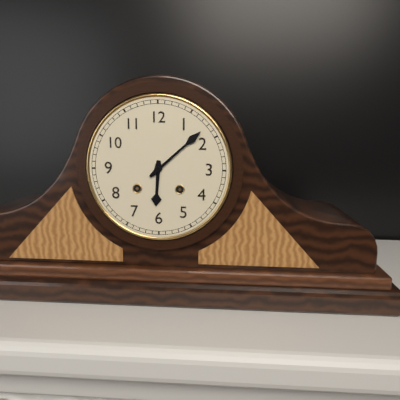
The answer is 6:08
